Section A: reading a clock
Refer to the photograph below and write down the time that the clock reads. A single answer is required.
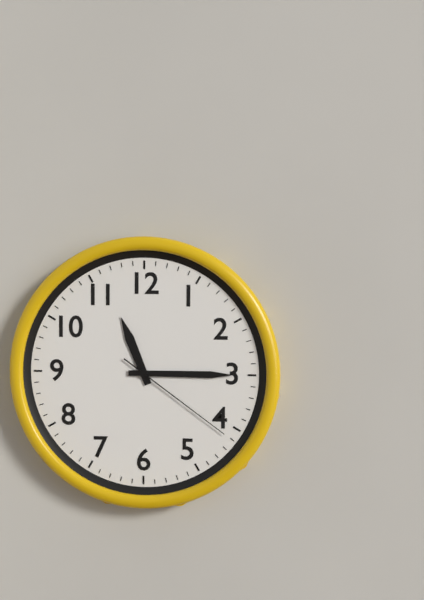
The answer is 11:15:21
